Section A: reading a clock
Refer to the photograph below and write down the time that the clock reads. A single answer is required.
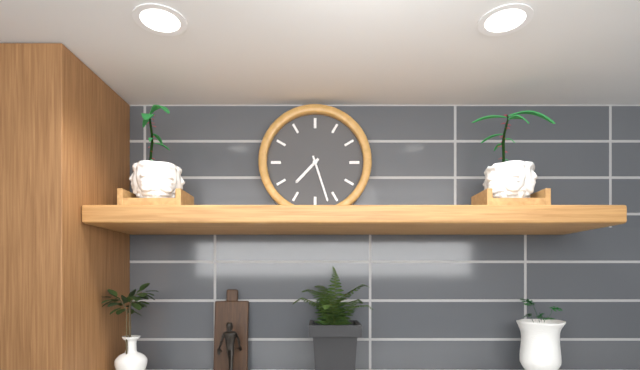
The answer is 7:27
